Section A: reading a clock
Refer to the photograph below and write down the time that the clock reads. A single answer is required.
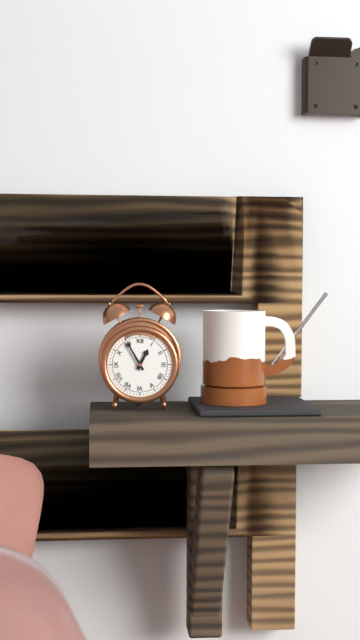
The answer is 12:55
